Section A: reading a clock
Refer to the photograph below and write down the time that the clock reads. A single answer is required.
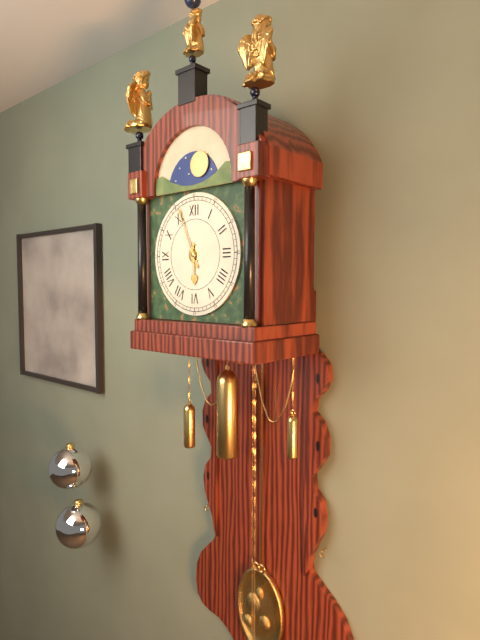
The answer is 5:56
